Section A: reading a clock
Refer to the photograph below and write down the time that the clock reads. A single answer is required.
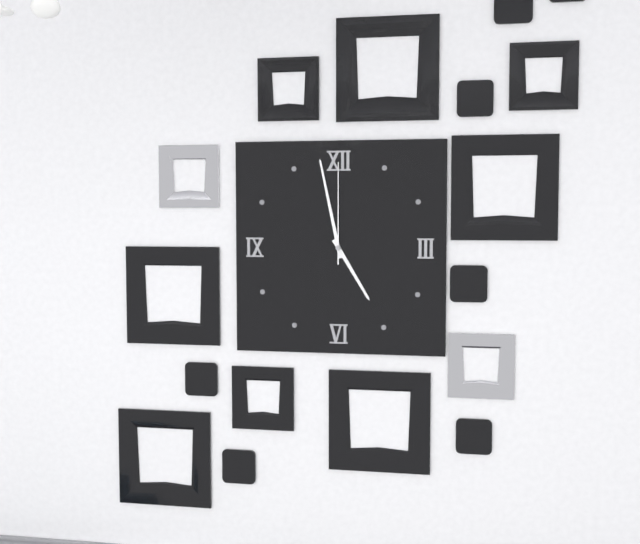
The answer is 4:58:00
